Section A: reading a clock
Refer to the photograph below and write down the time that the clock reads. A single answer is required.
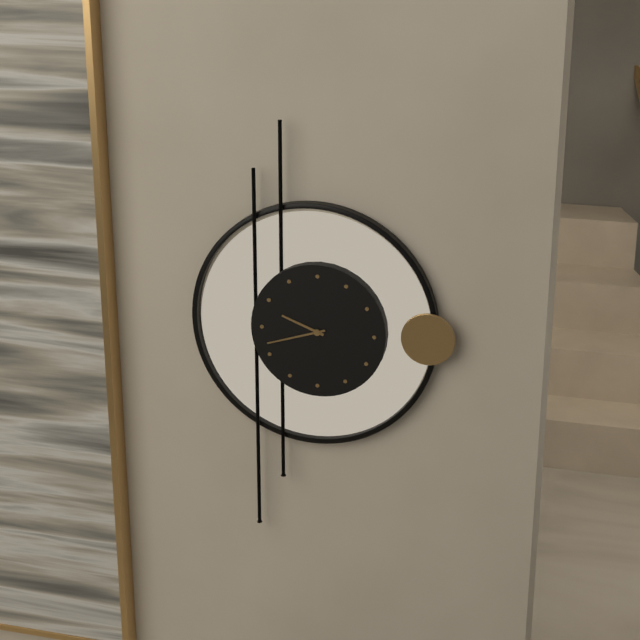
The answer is 9:42
